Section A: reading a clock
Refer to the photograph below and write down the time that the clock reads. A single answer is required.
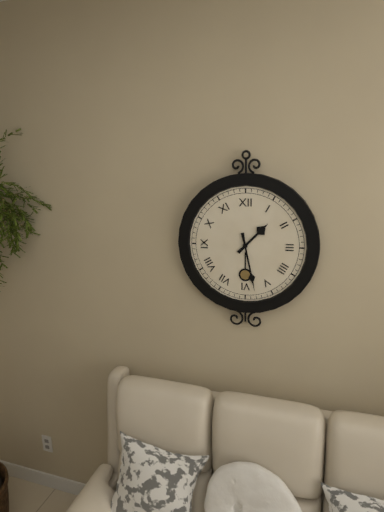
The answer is 1:28
